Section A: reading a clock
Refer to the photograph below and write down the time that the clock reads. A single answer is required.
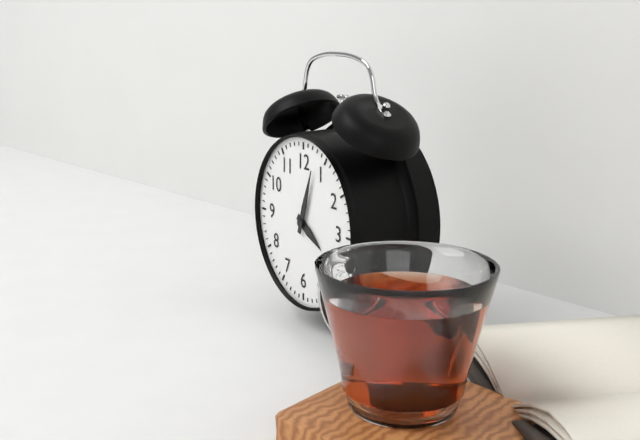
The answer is 4:03
